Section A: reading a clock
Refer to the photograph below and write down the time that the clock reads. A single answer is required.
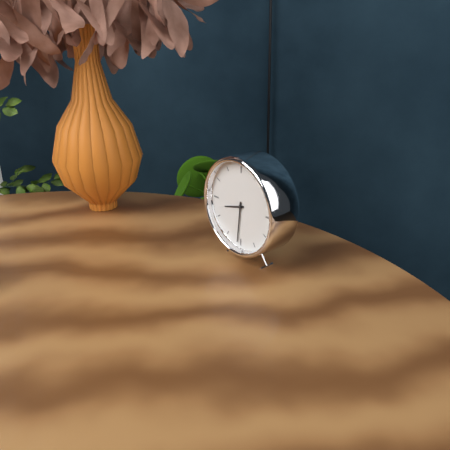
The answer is 8:31
